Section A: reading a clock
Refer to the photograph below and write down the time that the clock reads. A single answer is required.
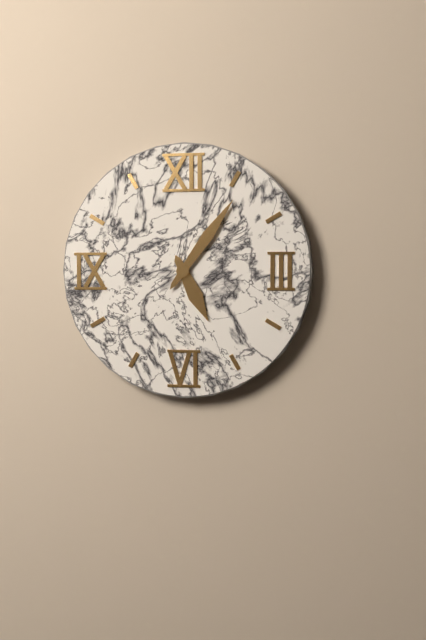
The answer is 5:06
